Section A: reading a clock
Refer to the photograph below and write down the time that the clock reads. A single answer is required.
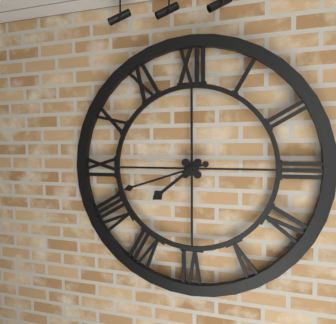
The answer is 7:42
